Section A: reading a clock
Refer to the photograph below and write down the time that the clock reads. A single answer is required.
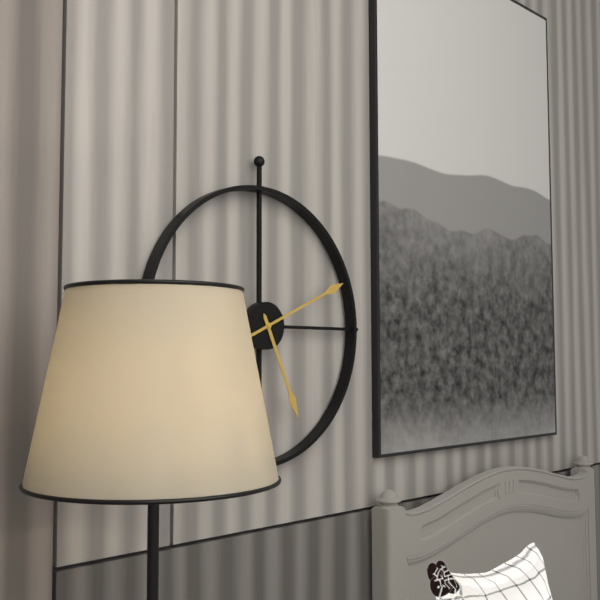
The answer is 5:11
